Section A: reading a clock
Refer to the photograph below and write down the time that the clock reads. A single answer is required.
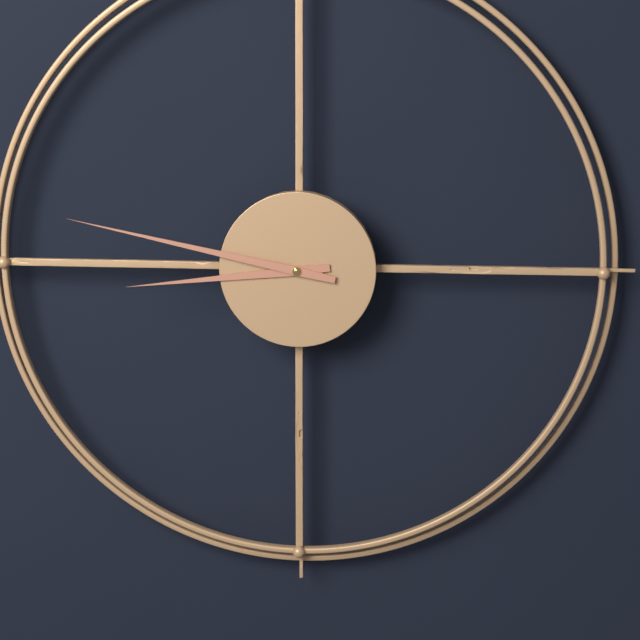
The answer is 8:47
